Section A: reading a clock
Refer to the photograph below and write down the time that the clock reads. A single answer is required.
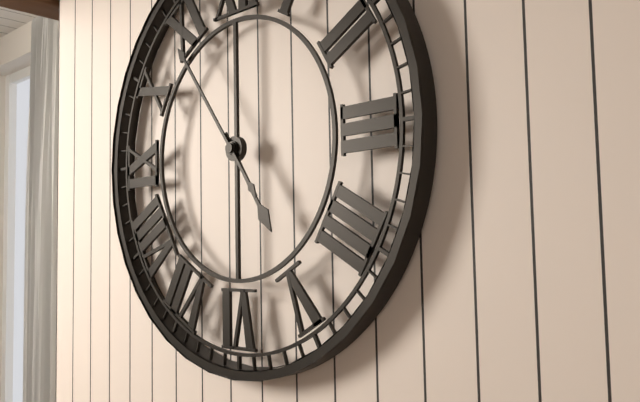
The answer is 4:54
